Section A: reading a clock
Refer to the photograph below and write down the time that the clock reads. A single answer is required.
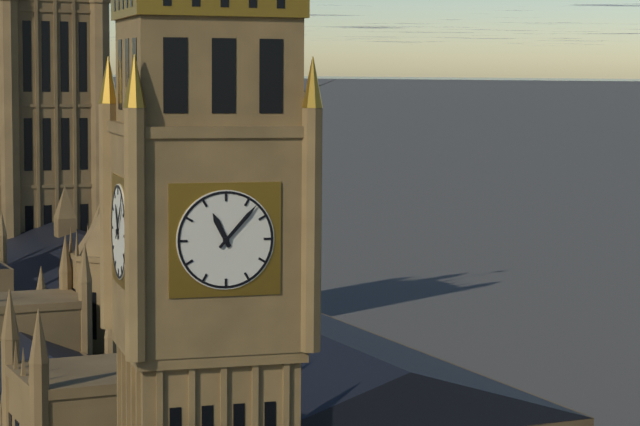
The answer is 11:07
